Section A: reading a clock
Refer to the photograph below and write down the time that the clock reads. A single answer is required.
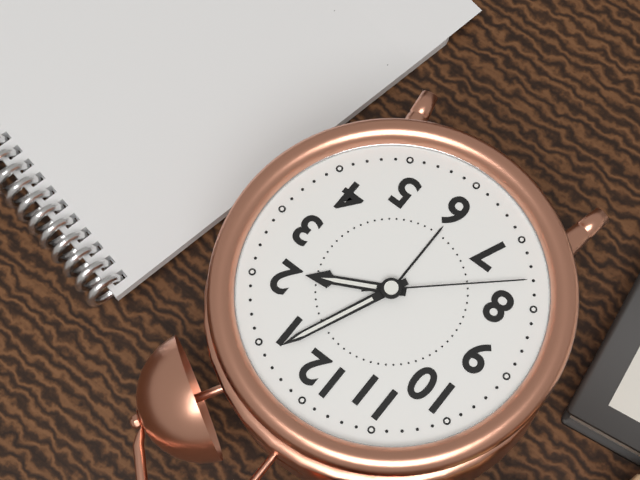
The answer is 2:04:38
